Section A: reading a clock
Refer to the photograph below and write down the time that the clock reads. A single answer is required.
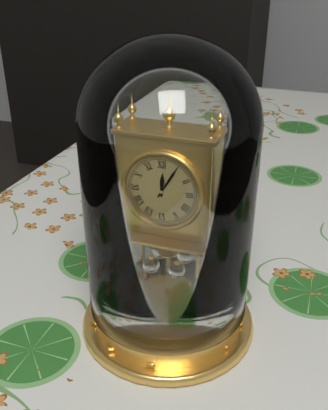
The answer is 12:05
